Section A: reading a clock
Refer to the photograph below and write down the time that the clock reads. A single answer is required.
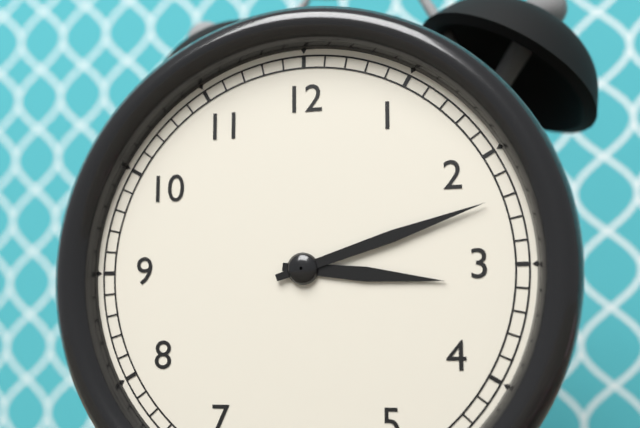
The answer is 3:12
